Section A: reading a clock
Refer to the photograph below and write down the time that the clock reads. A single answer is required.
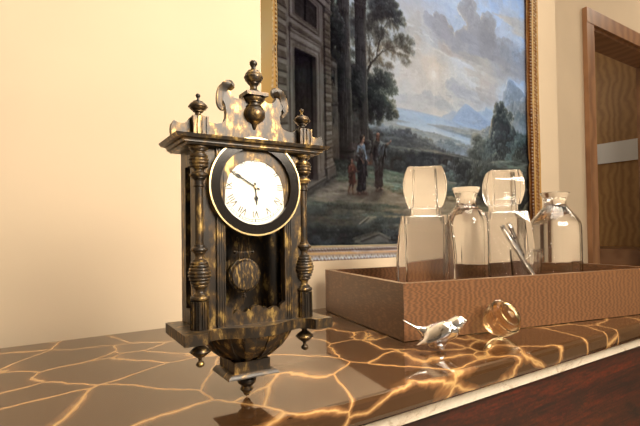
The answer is 5:50
